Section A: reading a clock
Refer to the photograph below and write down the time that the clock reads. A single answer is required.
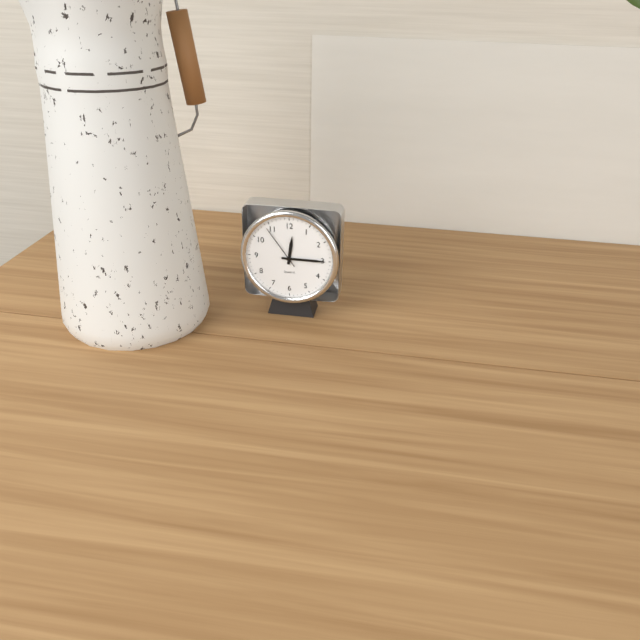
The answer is 12:15
